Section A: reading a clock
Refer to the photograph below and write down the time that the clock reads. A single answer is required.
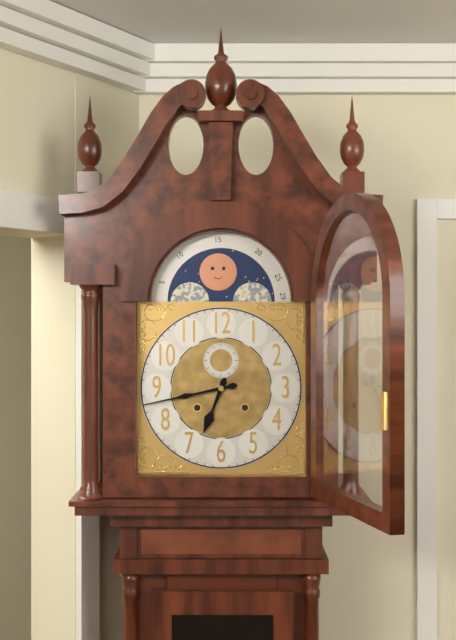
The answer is 6:43
